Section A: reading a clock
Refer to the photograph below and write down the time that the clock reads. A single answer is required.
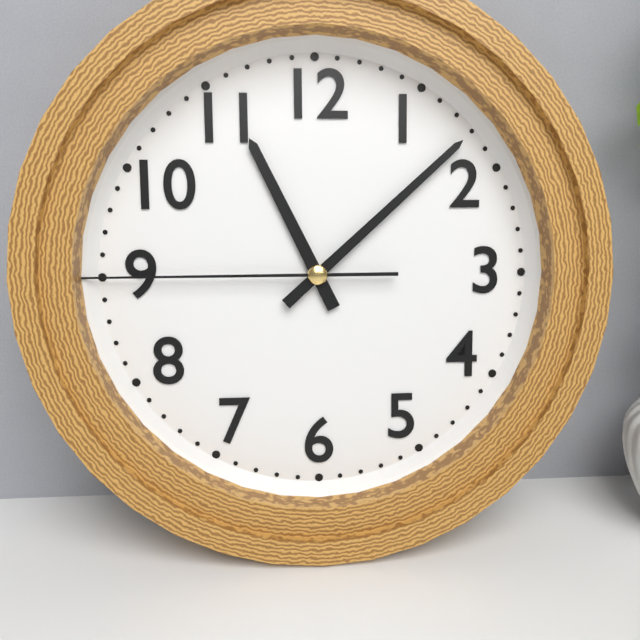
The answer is 11:08:45
